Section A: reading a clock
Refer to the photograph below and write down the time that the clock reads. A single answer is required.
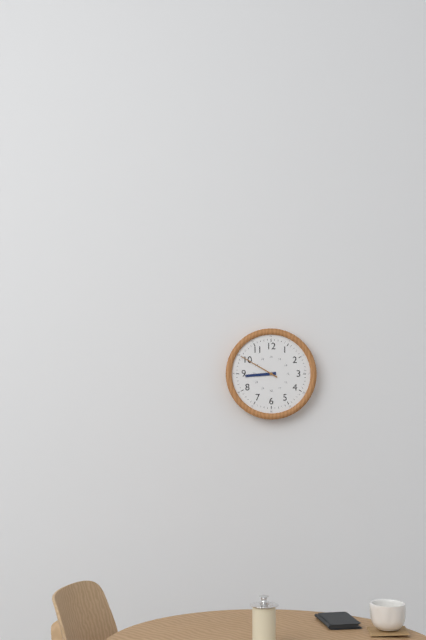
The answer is 8:50
